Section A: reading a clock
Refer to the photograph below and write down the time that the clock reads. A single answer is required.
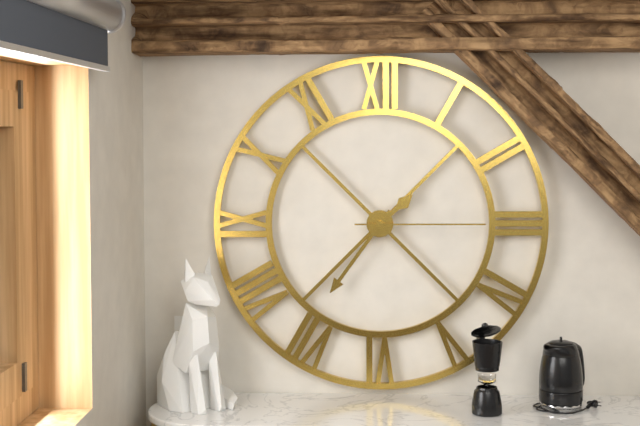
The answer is 1:36:15
